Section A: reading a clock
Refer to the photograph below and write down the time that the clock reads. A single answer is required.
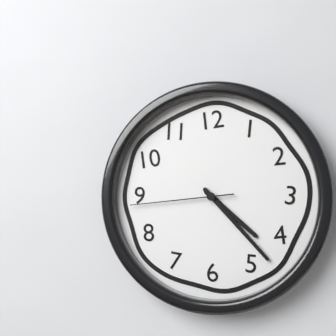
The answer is 4:23:44
